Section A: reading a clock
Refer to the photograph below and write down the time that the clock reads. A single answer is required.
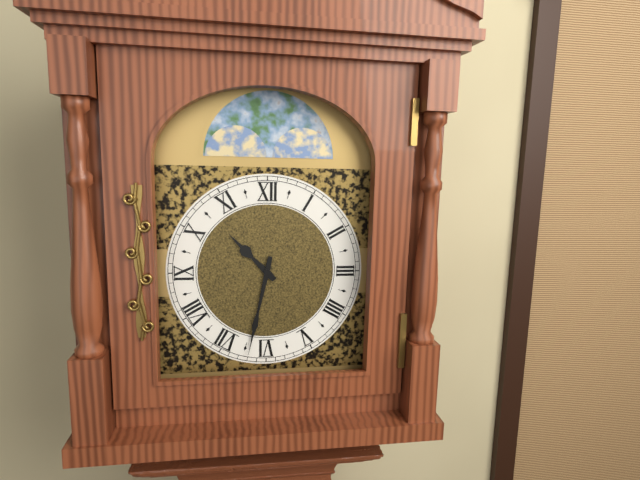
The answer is 10:32
